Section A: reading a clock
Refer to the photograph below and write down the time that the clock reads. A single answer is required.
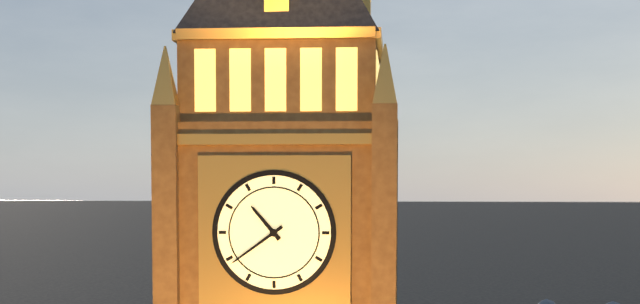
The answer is 10:39
